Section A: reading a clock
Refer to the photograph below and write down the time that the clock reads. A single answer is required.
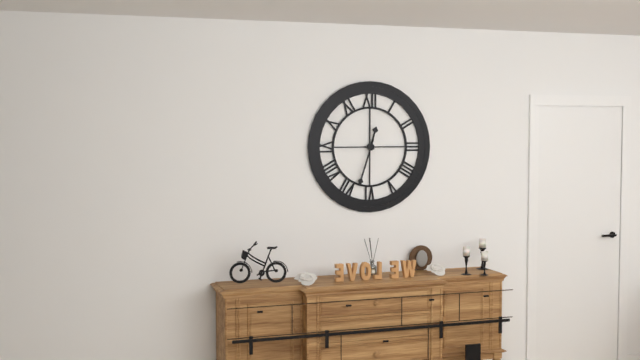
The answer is 12:33
